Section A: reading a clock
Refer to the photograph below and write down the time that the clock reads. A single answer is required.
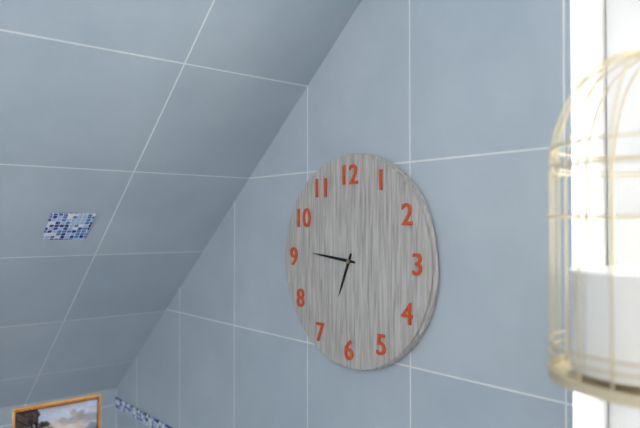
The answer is 6:46
